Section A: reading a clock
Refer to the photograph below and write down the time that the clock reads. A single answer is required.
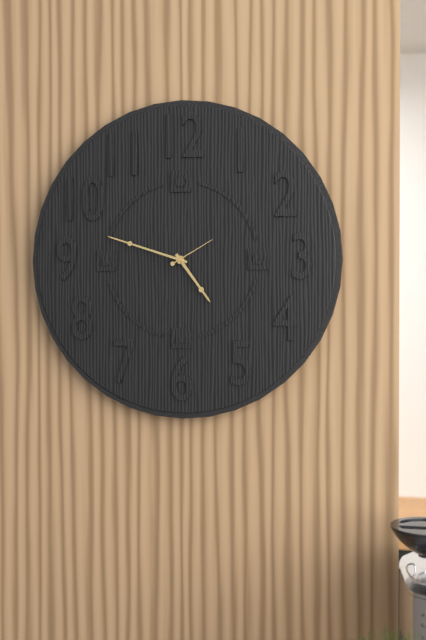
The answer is 4:48
